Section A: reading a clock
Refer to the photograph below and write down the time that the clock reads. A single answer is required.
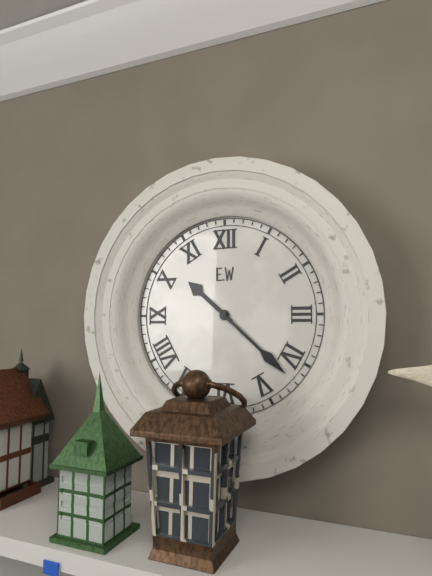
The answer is 10:22
